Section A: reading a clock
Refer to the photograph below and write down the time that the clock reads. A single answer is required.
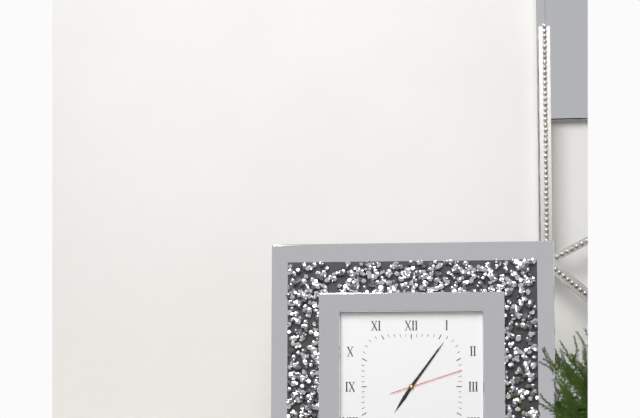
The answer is 7:06:12
